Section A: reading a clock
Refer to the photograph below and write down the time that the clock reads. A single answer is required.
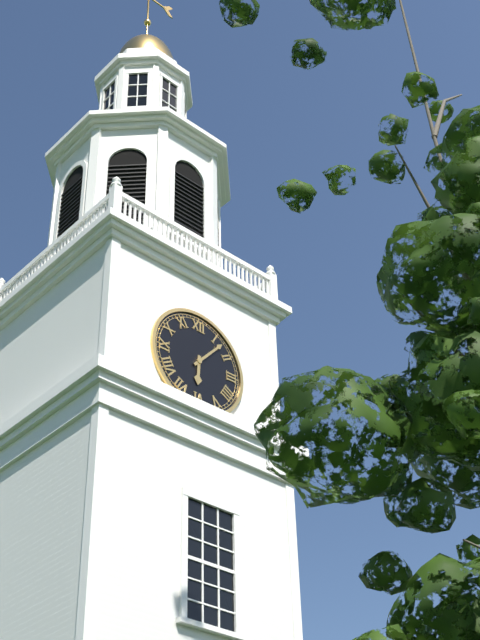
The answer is 6:07
